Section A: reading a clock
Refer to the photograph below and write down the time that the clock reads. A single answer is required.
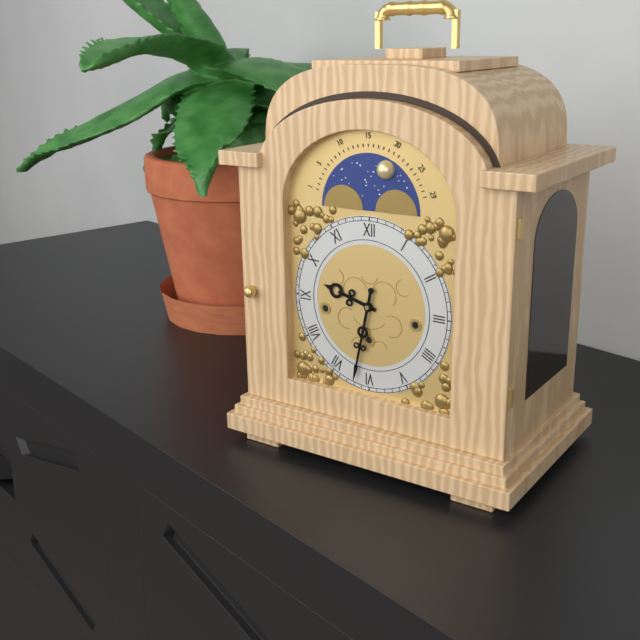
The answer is 9:32
